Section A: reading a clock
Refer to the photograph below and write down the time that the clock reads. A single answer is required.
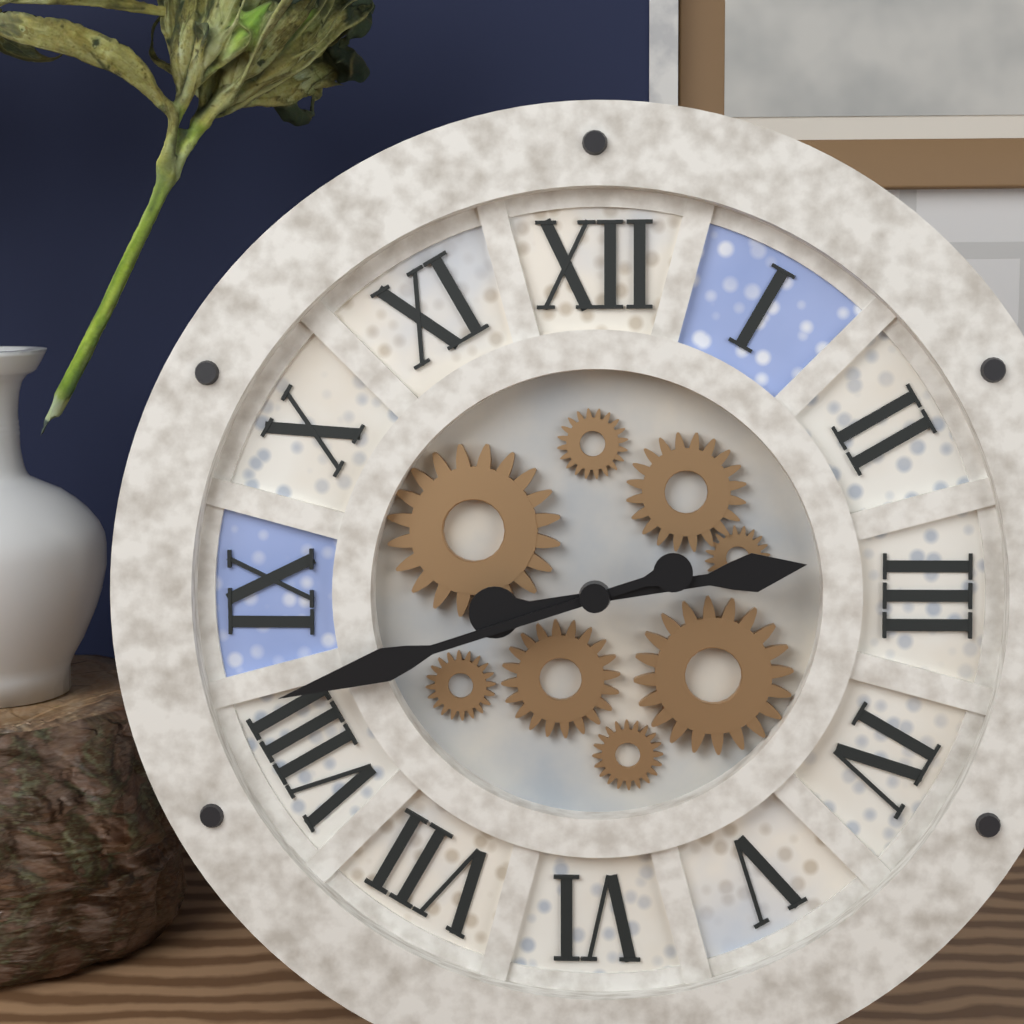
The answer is 2:42
